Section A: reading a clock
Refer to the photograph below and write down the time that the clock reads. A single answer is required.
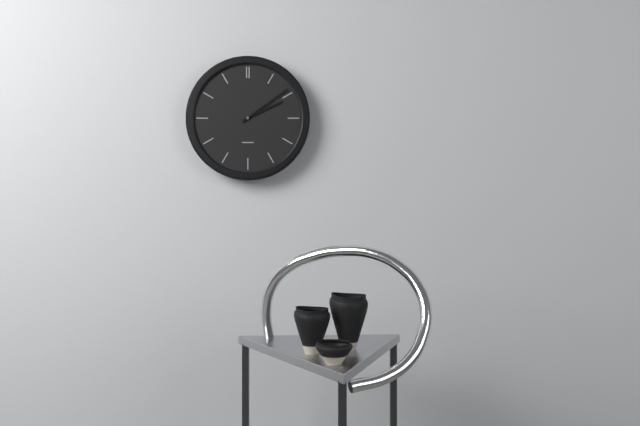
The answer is 2:09
